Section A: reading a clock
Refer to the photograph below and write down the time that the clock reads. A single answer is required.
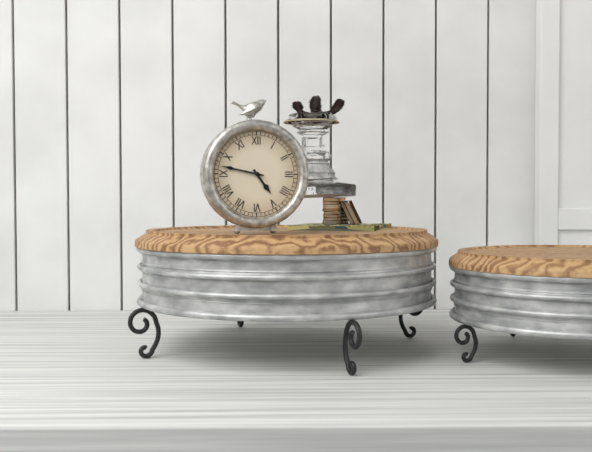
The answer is 4:47
